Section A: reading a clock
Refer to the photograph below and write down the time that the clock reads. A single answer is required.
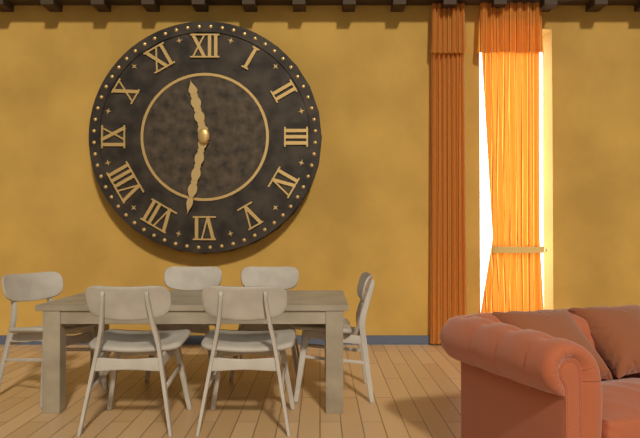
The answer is 11:32
